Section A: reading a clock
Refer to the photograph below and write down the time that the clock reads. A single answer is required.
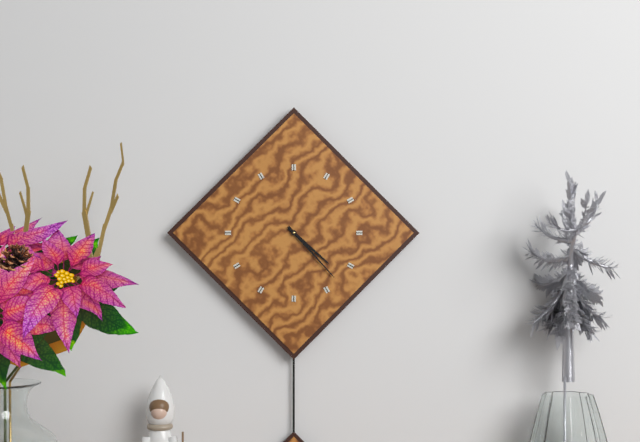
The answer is 4:23
